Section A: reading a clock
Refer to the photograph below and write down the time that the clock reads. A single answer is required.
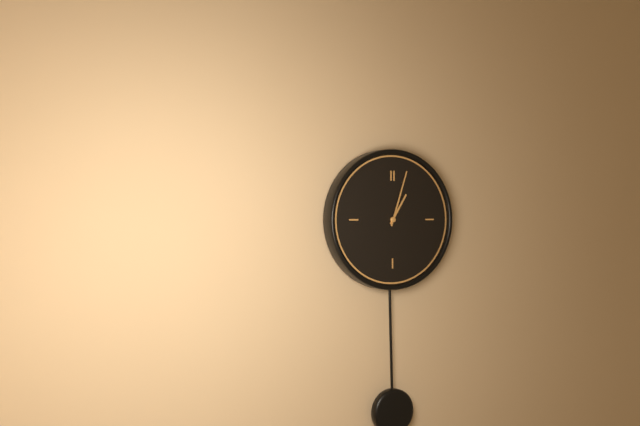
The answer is 1:03
